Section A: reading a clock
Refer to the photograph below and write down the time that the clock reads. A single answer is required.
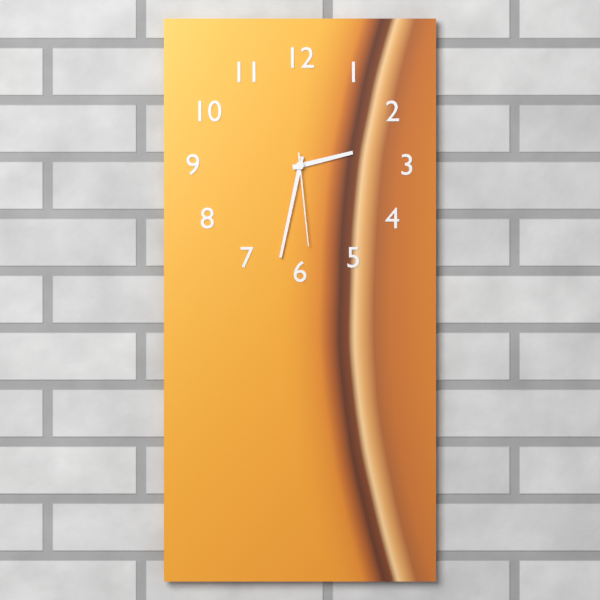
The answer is 2:32:29
